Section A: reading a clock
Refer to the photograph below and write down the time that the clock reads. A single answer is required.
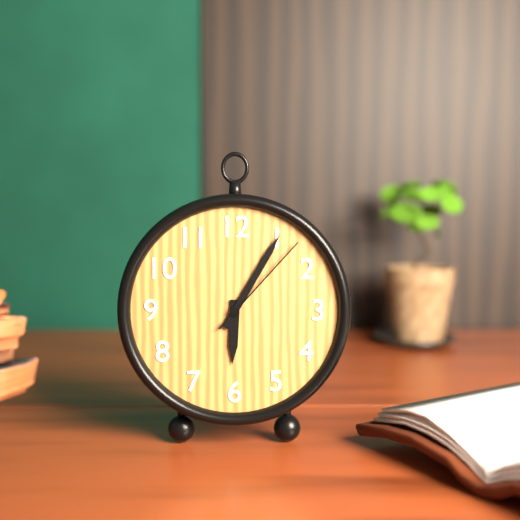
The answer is 6:05:07
